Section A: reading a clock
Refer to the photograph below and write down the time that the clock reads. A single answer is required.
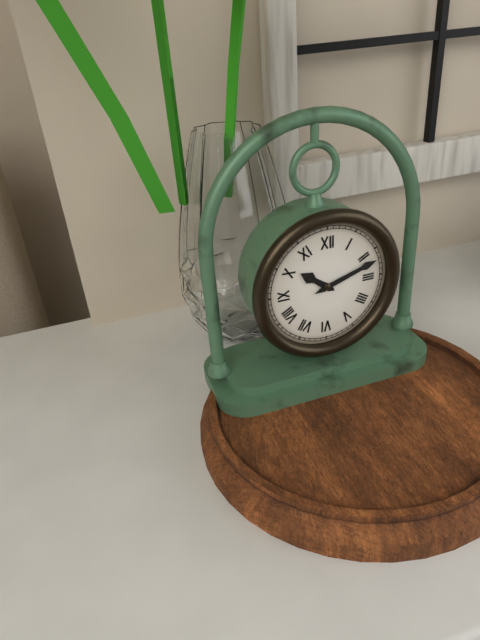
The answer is 10:12
